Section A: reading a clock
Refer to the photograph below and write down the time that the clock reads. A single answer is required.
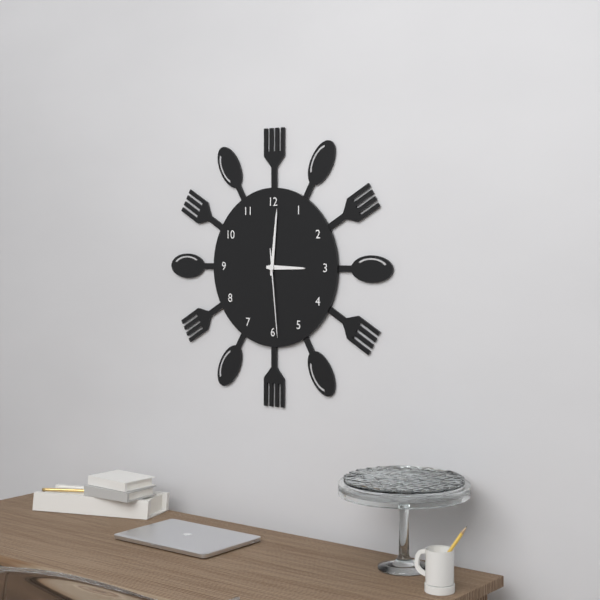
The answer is 3:01:29
